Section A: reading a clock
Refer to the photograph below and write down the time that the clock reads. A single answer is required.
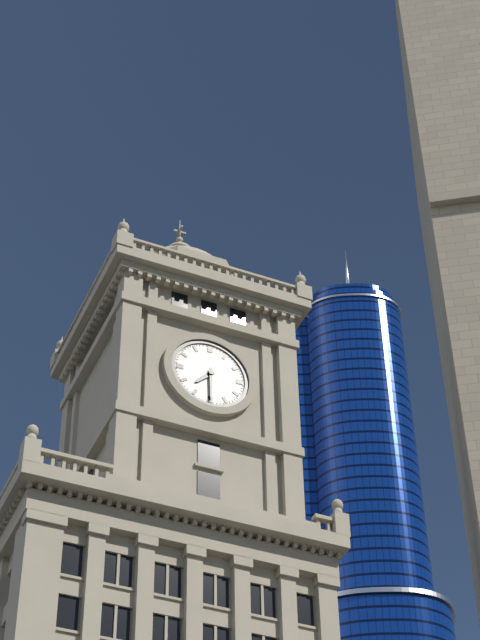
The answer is 7:30
